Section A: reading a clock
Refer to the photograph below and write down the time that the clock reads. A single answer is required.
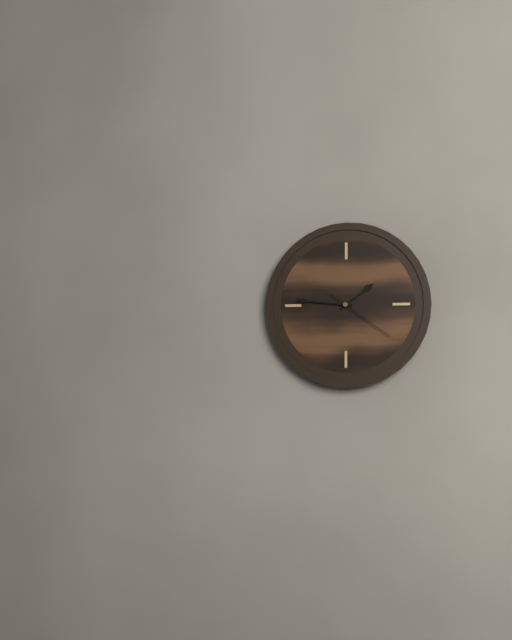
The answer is 1:46:21
